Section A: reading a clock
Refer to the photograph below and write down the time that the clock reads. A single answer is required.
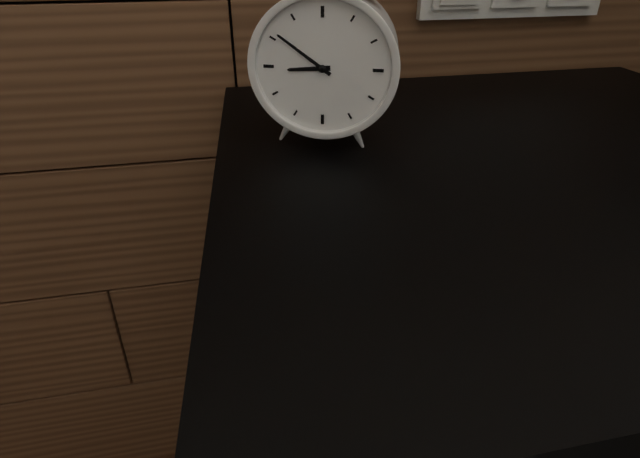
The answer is 8:51
